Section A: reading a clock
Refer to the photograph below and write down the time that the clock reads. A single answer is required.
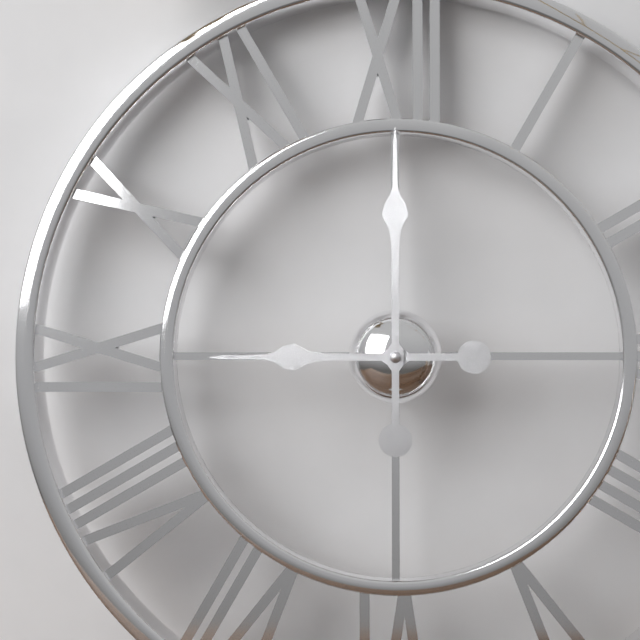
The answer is 9:00
